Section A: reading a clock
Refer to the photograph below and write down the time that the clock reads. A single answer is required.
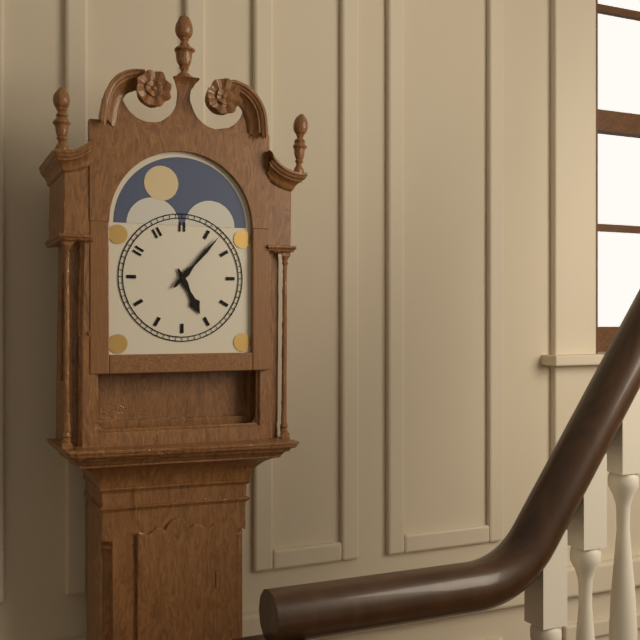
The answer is 5:07
